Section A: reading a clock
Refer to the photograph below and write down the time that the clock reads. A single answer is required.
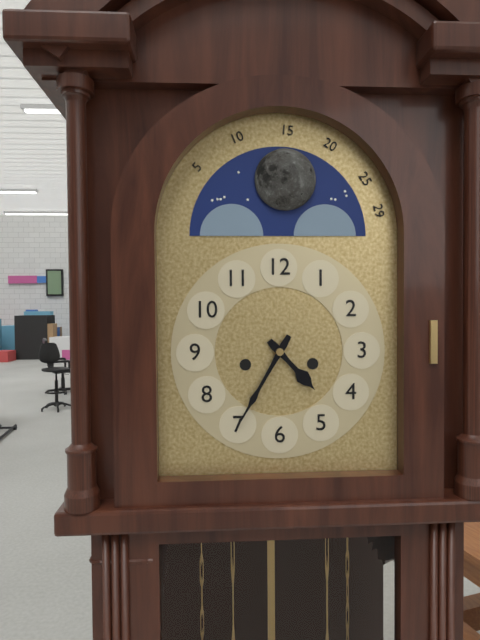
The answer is 4:35
